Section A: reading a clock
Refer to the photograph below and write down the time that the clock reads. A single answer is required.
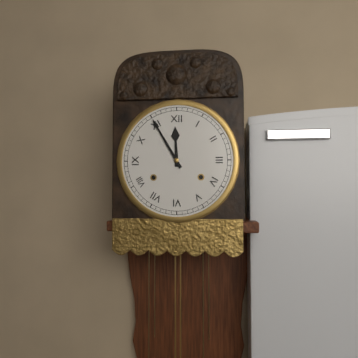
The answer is 11:55
